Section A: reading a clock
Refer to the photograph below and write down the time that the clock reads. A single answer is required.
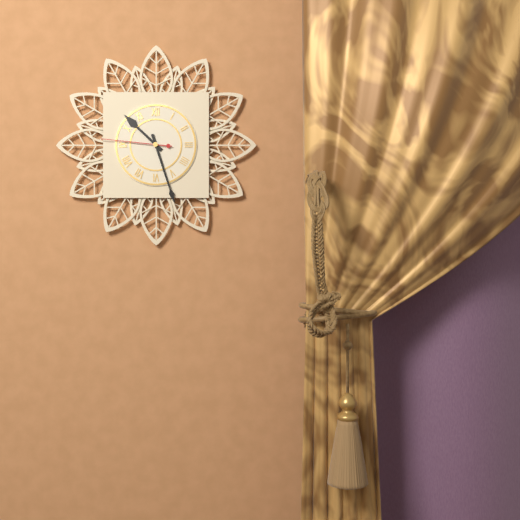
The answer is 10:27:46
